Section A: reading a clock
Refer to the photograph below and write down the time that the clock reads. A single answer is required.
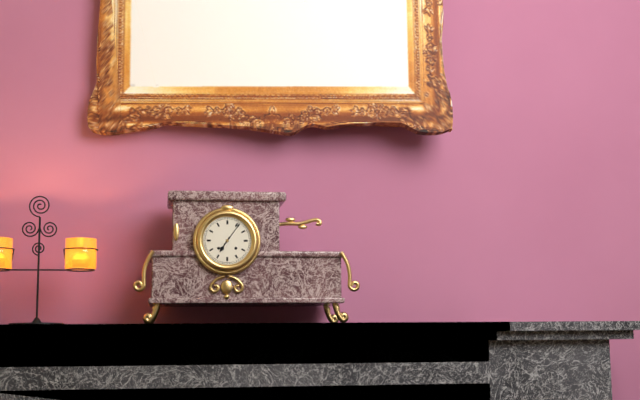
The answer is 7:06
